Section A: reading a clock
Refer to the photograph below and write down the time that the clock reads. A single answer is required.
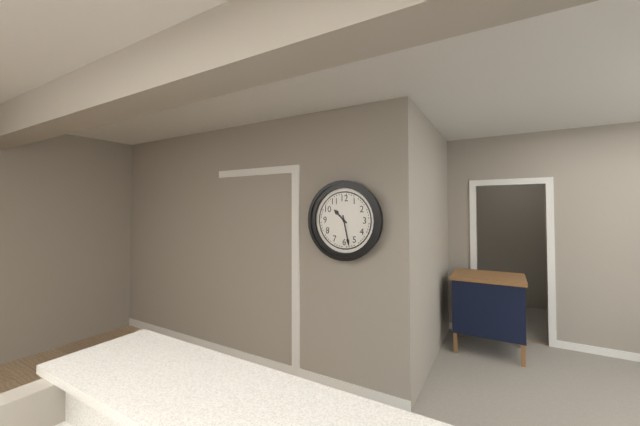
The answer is 10:28
